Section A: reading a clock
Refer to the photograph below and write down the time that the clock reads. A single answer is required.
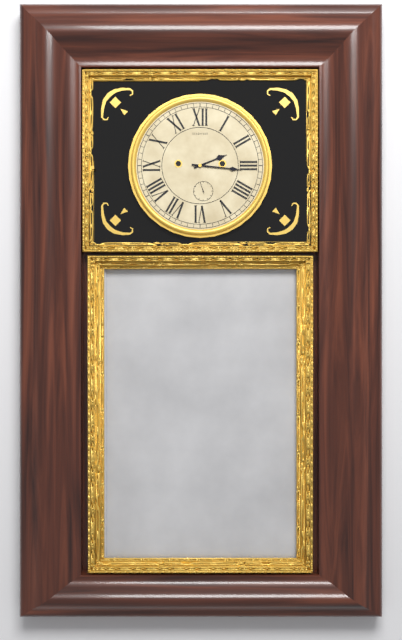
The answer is 2:16
